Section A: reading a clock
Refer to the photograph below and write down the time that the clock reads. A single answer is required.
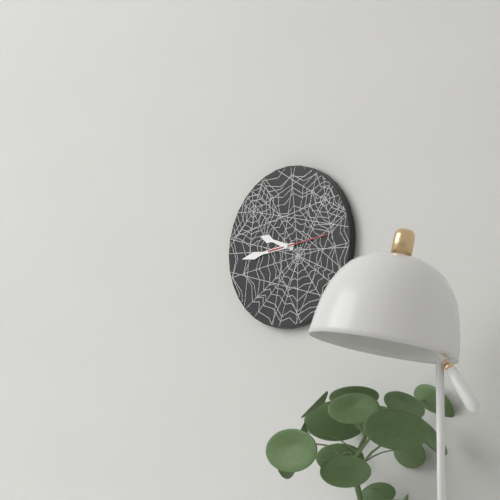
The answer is 9:44:14
